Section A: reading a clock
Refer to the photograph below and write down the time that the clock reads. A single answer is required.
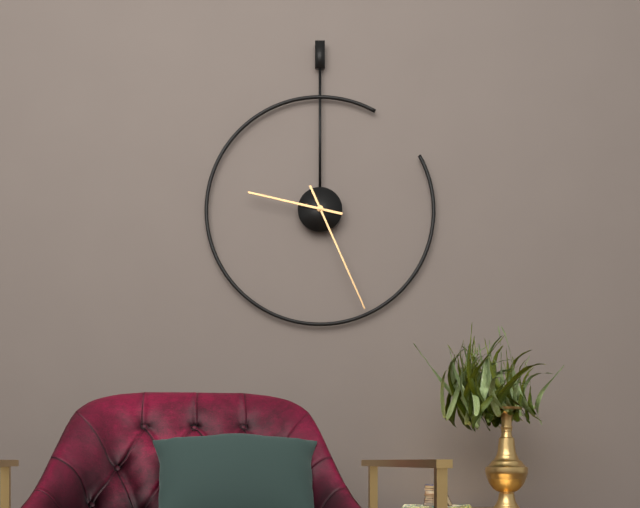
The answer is 9:26
